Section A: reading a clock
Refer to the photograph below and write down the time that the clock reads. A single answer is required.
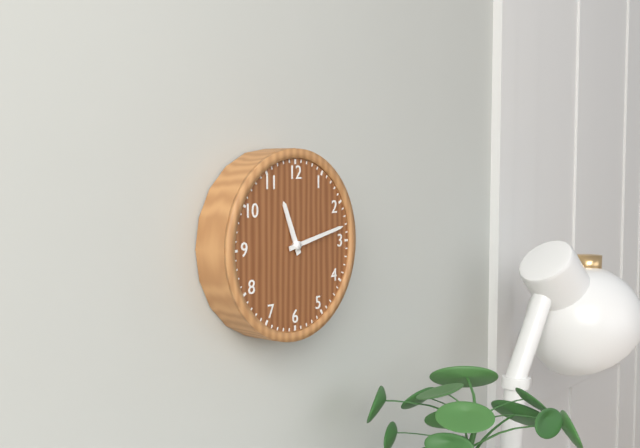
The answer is 11:13
